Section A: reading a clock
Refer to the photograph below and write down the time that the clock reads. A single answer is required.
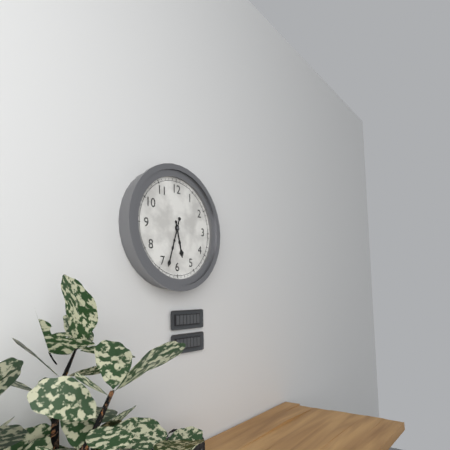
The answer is 5:33
